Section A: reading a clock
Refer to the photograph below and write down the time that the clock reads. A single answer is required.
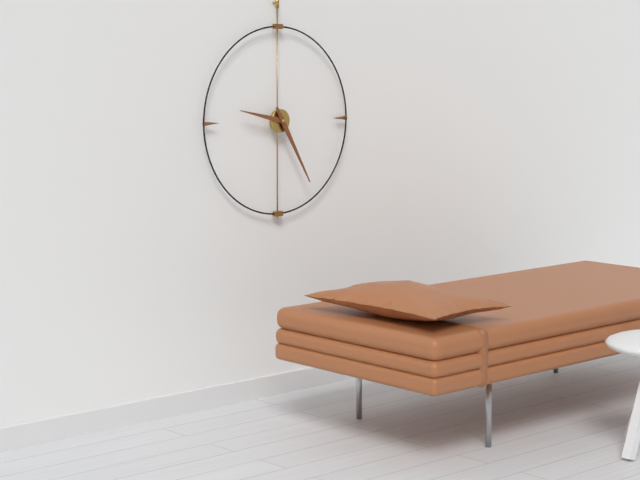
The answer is 9:25
